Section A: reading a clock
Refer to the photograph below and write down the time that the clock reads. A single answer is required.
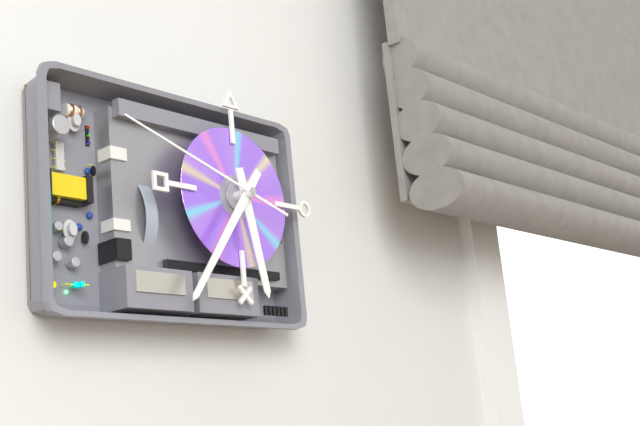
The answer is 5:36:48
